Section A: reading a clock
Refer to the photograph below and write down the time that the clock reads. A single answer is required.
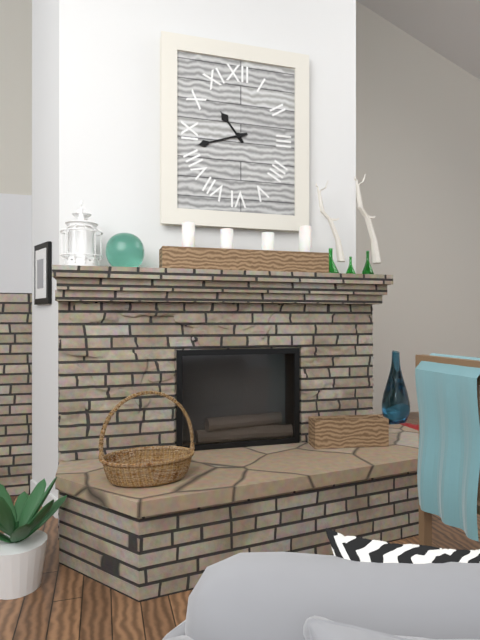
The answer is 10:42
